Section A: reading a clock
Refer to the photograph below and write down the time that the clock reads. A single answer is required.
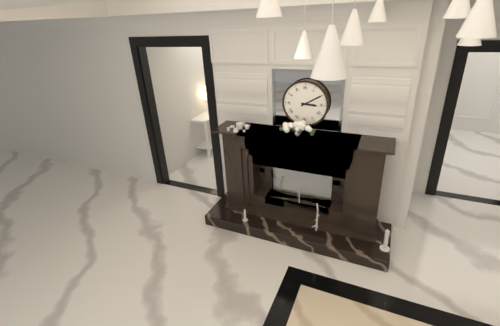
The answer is 3:10
